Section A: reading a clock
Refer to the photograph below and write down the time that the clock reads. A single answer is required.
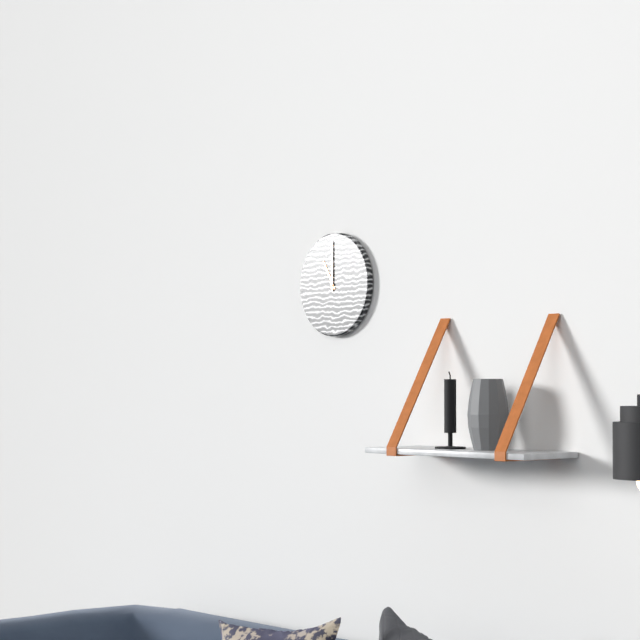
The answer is 11:00
